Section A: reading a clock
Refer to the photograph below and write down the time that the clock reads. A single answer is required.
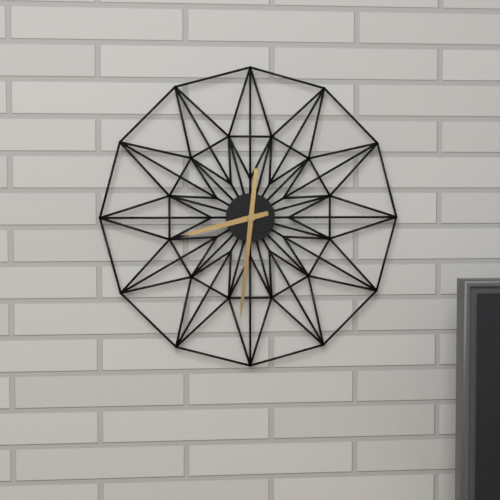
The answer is 8:31
